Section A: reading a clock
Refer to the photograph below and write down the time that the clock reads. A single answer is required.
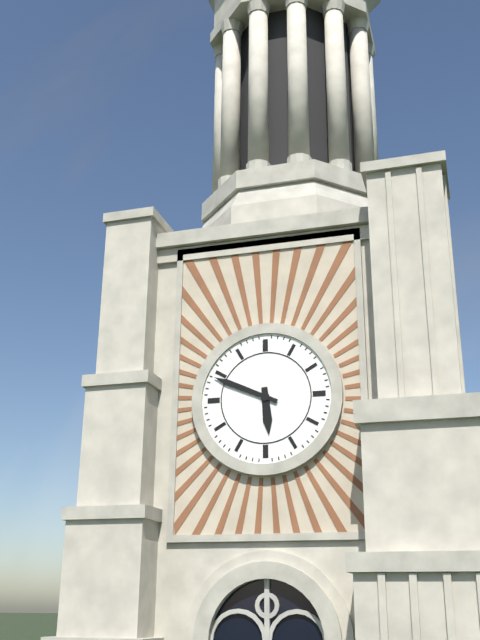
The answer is 5:49
